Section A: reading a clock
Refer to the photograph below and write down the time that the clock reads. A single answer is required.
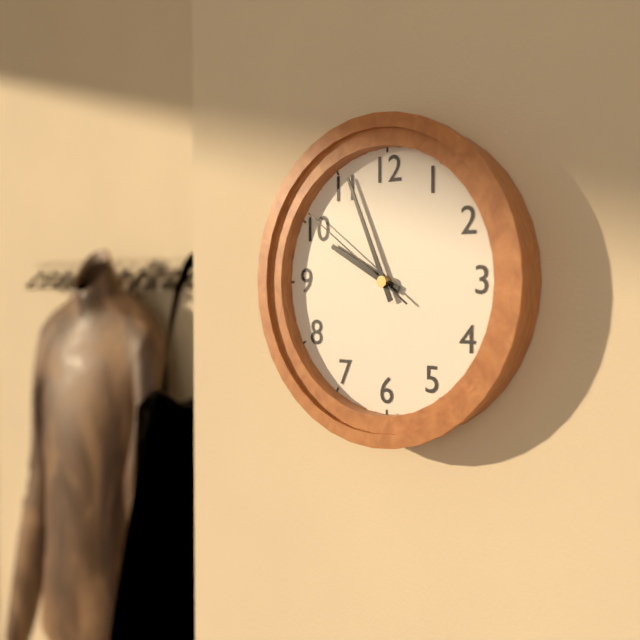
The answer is 9:56:51
